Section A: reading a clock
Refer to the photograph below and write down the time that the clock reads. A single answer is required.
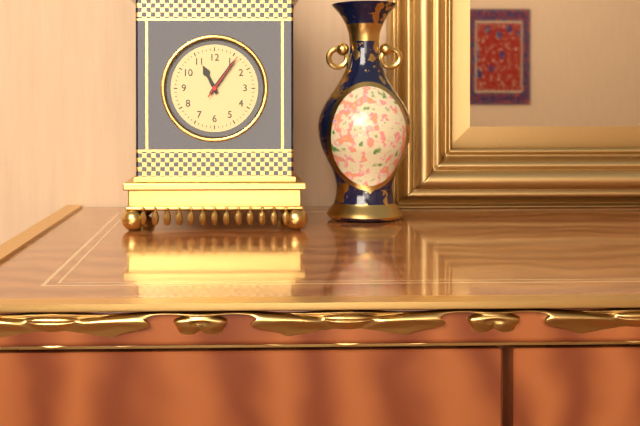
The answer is 11:06
